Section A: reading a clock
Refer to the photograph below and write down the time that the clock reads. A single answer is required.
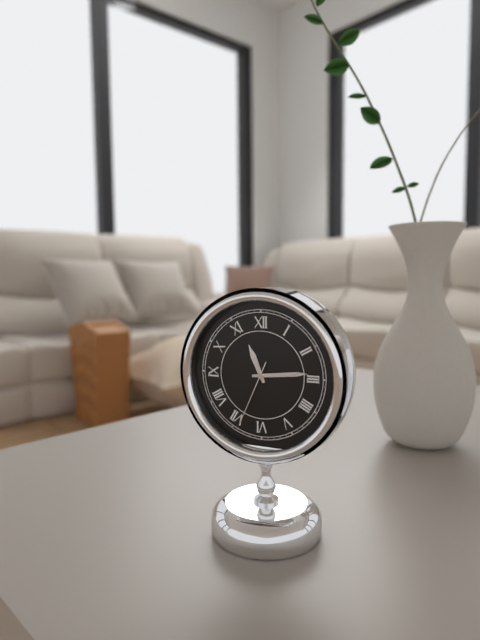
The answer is 11:14:34
